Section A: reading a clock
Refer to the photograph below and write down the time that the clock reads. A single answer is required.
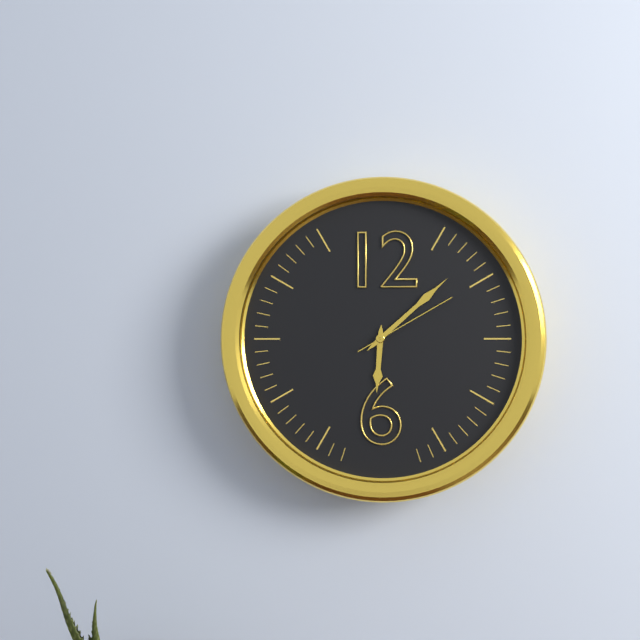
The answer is 6:08:10
